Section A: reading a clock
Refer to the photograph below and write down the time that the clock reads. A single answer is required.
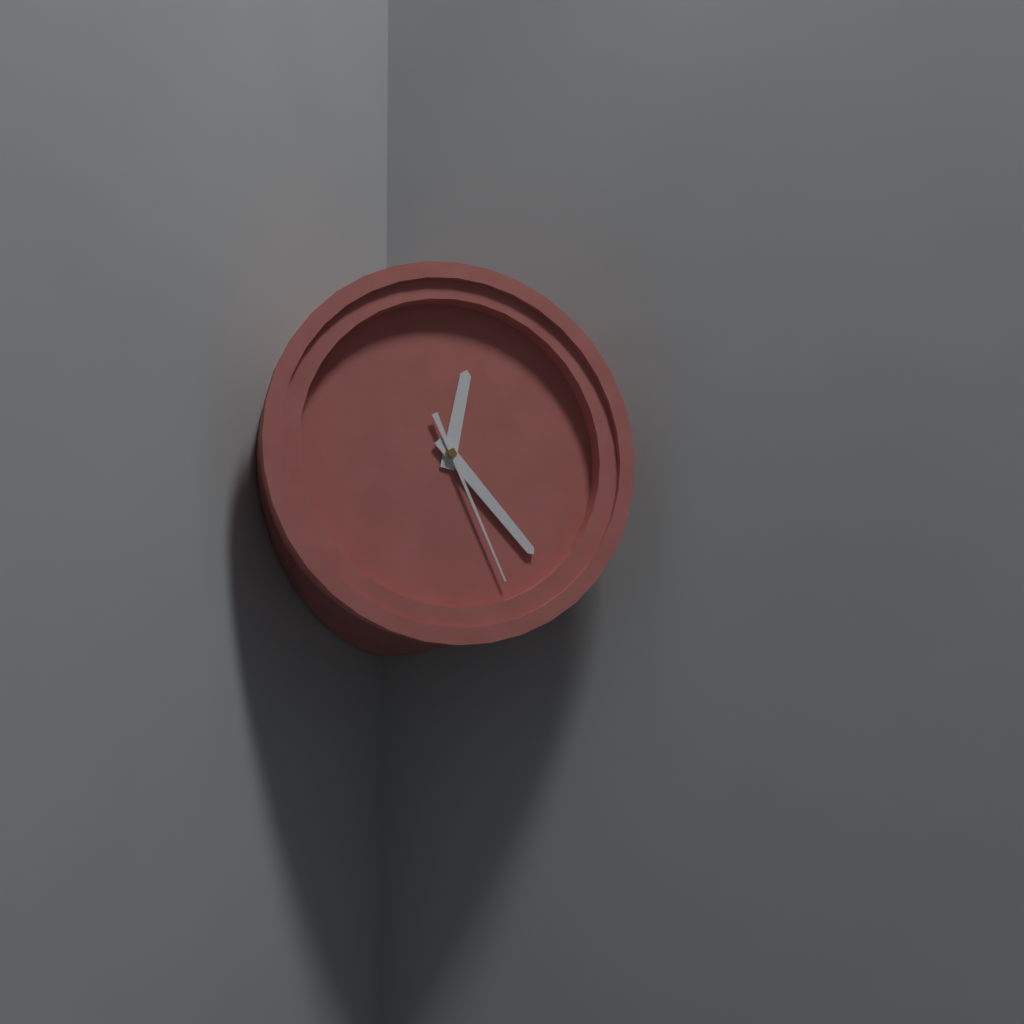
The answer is 12:23:26
